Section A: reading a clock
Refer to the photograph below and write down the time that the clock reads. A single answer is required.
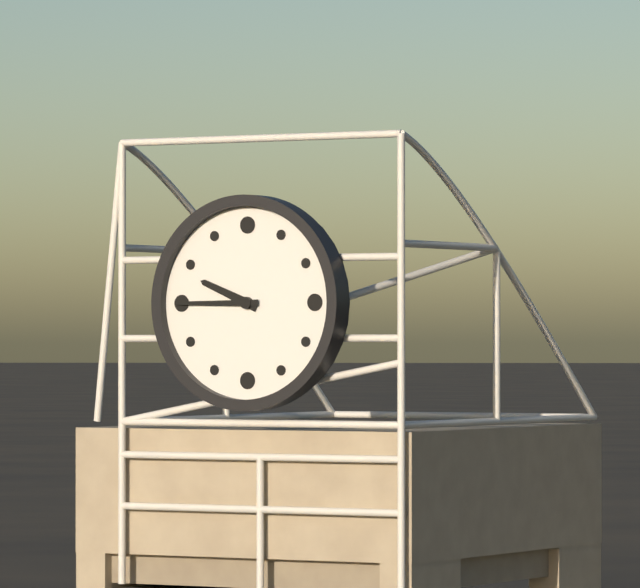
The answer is 9:45
